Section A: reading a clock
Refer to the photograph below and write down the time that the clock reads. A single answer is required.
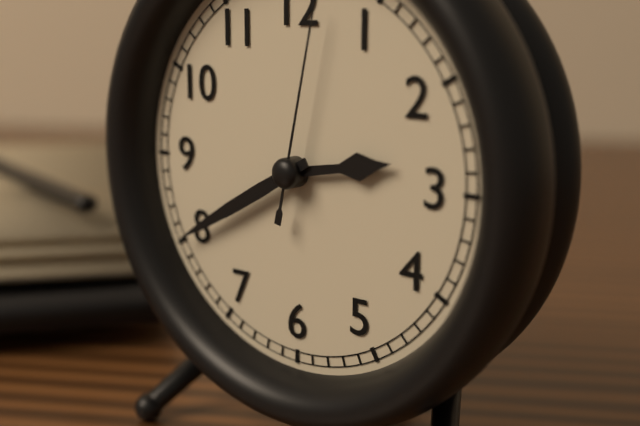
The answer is 2:40:02
